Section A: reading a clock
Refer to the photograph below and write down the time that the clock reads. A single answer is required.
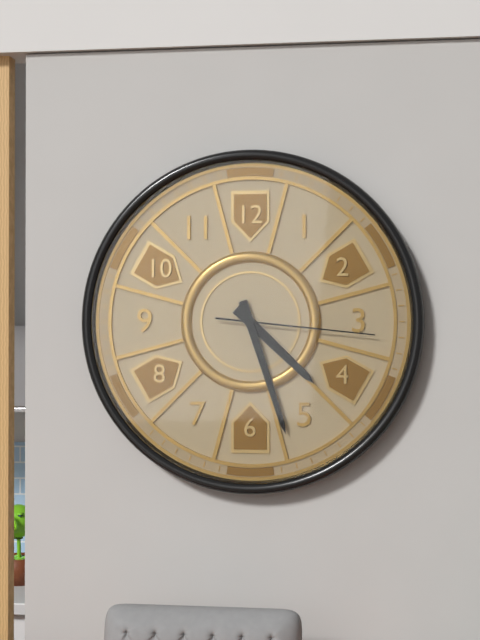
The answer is 4:27:16
